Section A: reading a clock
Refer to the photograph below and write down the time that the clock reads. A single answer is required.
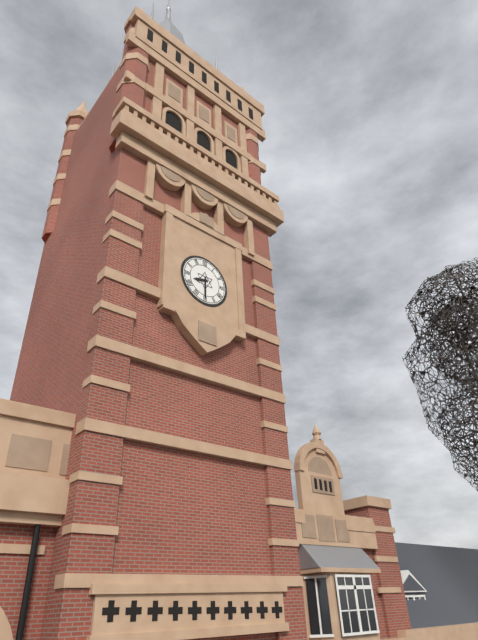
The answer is 8:30
